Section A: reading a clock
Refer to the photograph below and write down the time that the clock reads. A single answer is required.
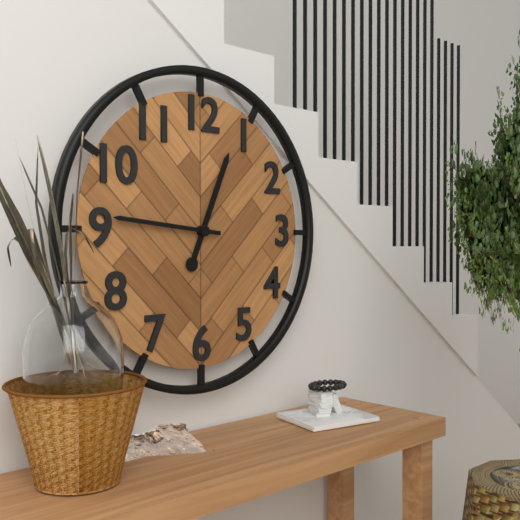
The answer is 12:46
